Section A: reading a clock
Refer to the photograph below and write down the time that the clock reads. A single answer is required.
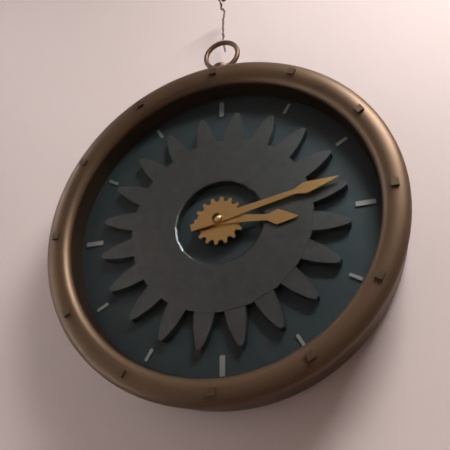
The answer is 3:13
